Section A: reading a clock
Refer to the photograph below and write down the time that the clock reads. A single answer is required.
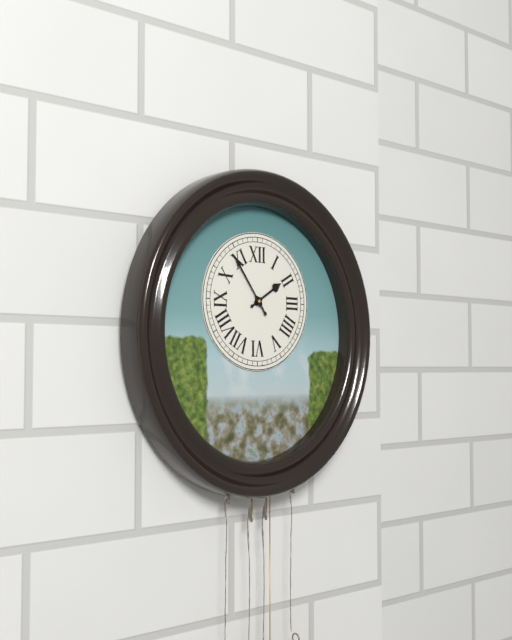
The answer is 1:54
